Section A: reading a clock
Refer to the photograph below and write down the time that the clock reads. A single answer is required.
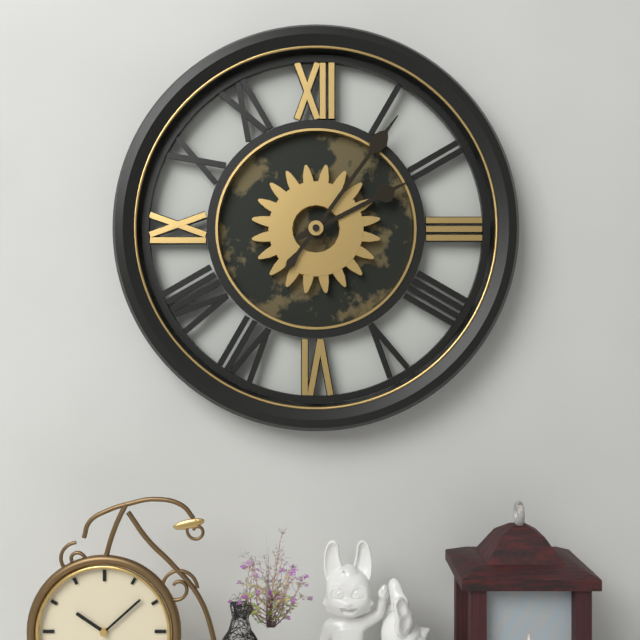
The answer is 2:06
